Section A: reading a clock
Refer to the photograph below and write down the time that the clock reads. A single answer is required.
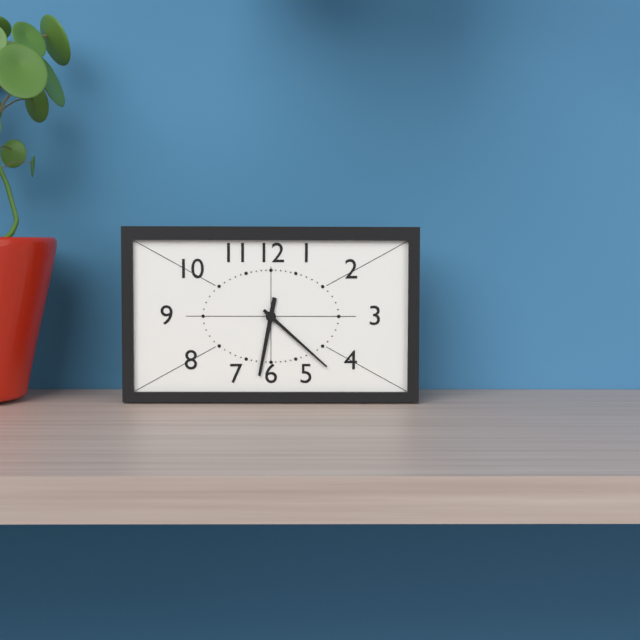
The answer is 6:22
